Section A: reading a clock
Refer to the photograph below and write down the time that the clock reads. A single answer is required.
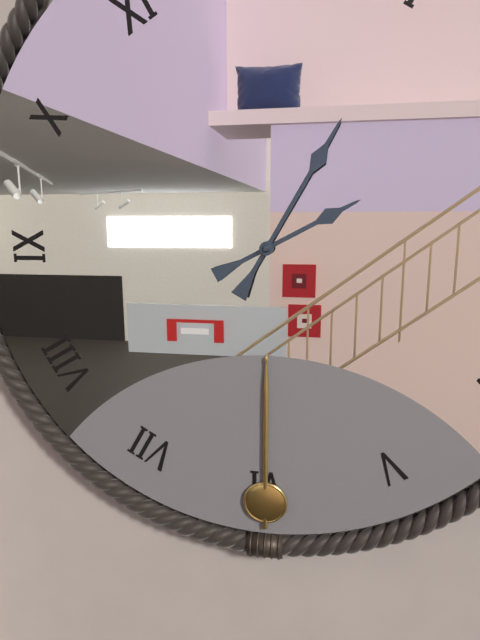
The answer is 2:05
